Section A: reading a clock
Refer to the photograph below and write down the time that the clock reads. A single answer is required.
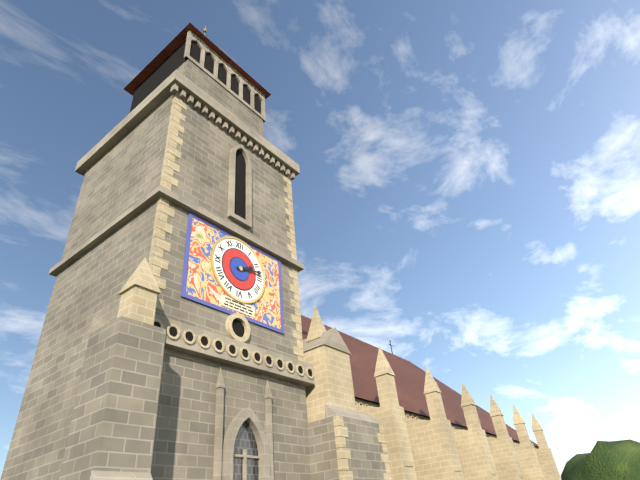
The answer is 2:13
